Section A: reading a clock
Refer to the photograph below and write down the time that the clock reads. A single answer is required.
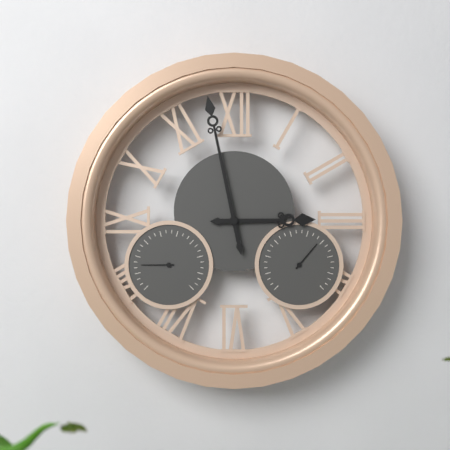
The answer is 2:58
